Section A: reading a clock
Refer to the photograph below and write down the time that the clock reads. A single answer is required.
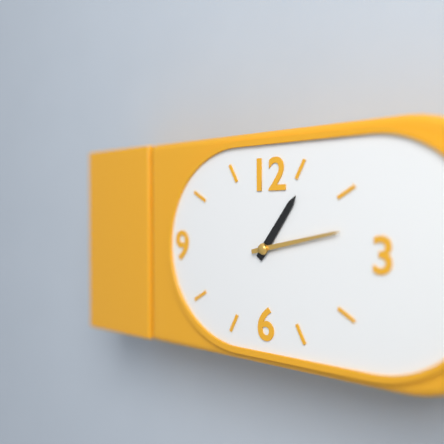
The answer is 1:13
